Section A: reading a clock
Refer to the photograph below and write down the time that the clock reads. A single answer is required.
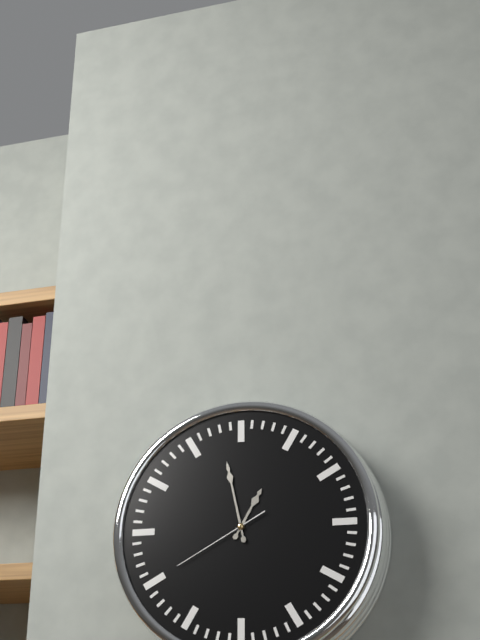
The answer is 12:58:40
